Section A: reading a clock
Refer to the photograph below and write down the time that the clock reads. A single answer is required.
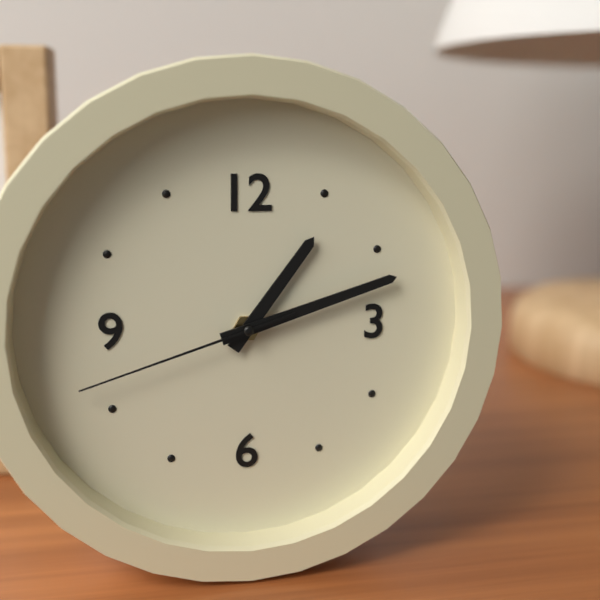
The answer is 1:12:42
